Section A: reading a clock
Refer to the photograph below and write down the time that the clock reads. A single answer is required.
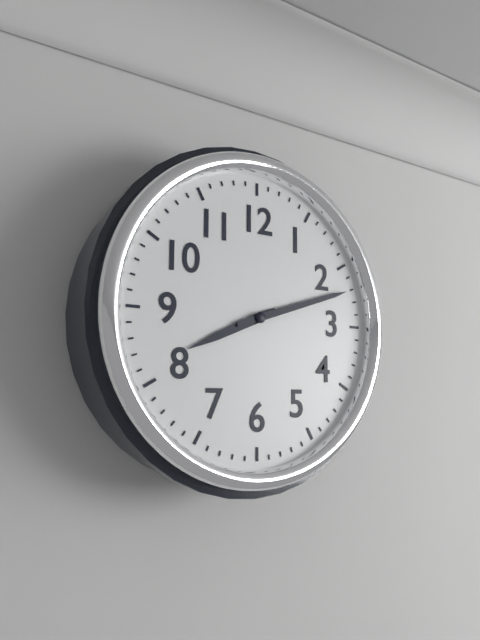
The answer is 8:12
